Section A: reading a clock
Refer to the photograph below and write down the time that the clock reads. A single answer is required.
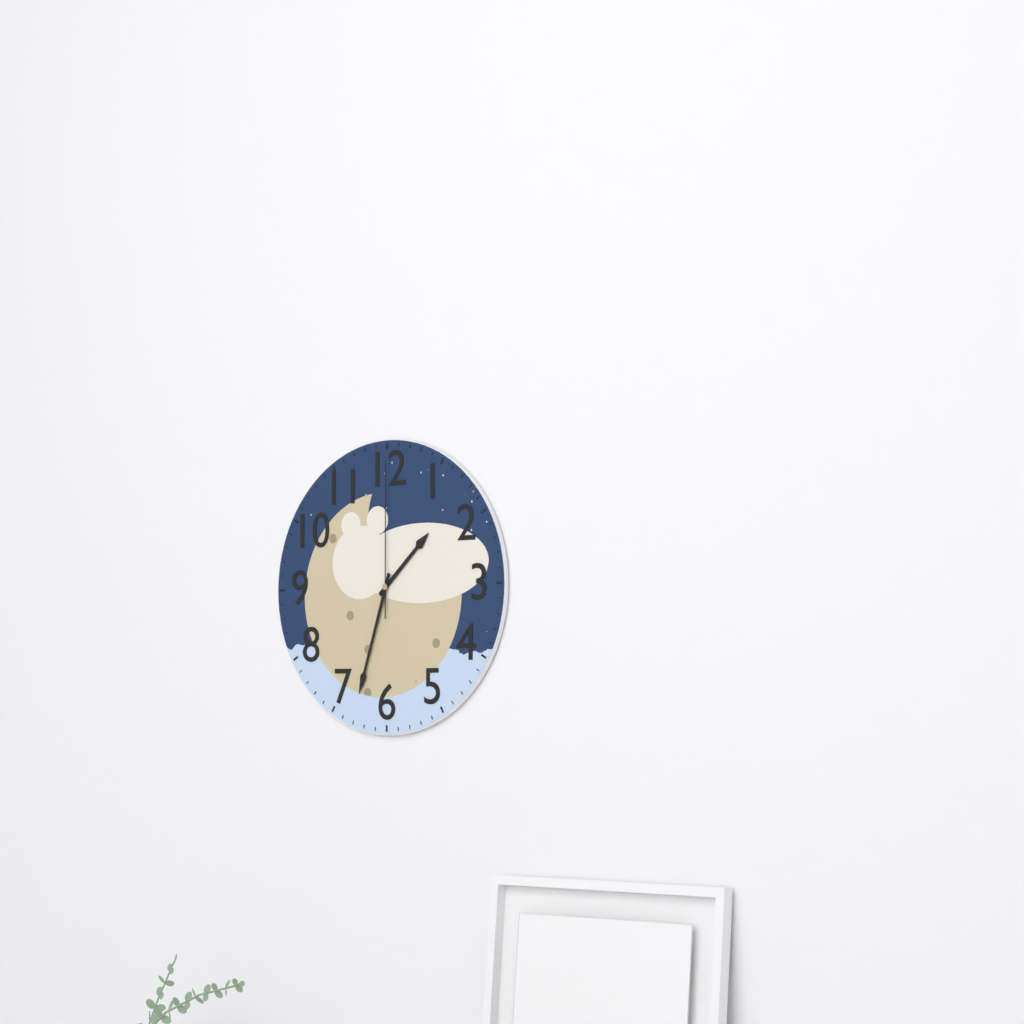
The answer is 1:33:00
